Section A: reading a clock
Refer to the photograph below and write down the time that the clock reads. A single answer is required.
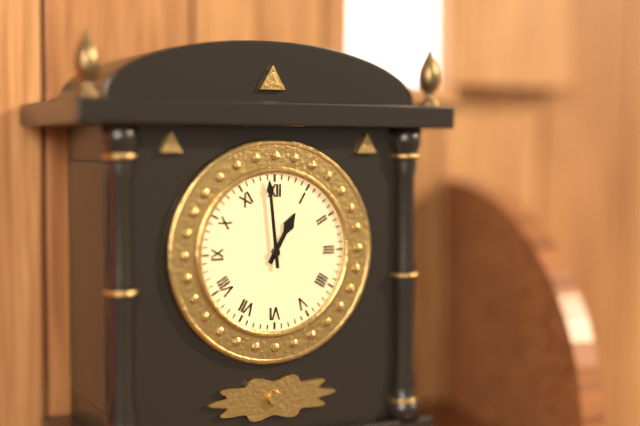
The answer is 12:59
